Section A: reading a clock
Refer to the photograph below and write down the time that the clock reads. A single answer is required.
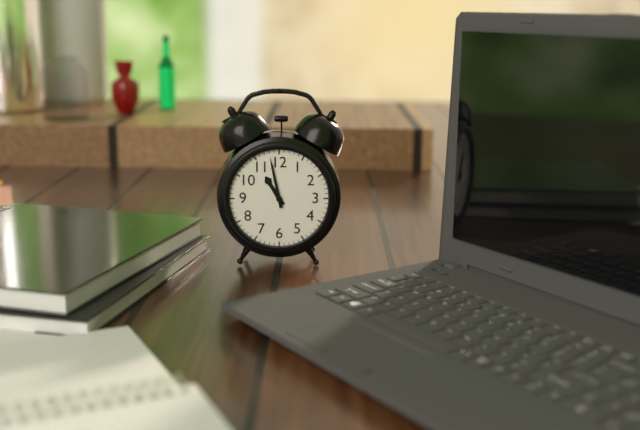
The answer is 10:58
